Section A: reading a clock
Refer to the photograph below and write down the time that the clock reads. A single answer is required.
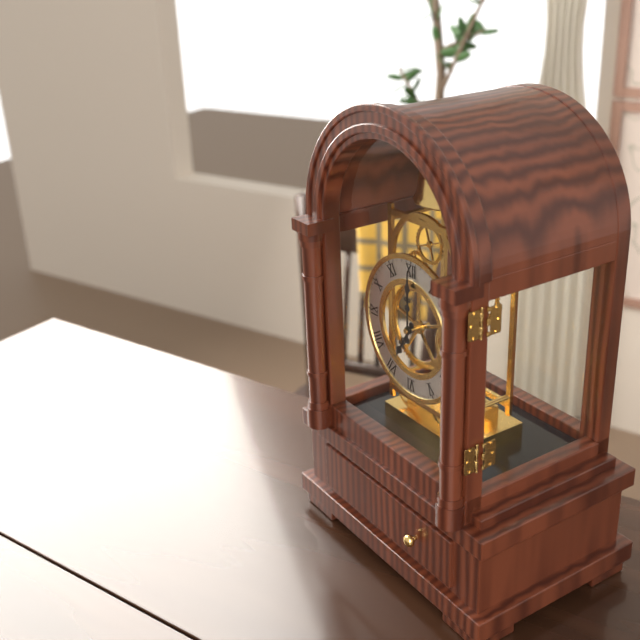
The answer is 7:00
